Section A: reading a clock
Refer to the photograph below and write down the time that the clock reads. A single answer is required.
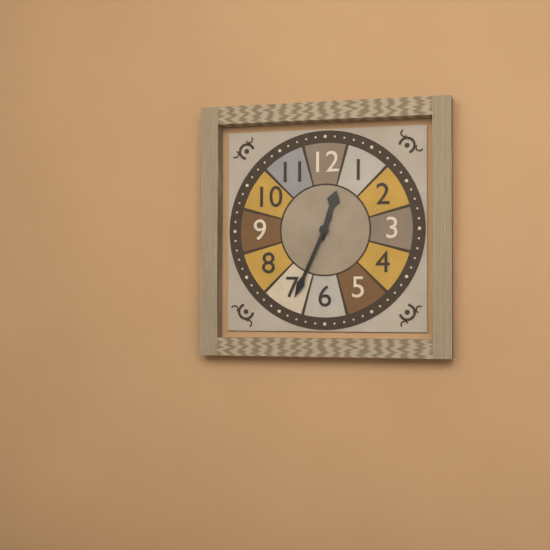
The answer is 12:34
